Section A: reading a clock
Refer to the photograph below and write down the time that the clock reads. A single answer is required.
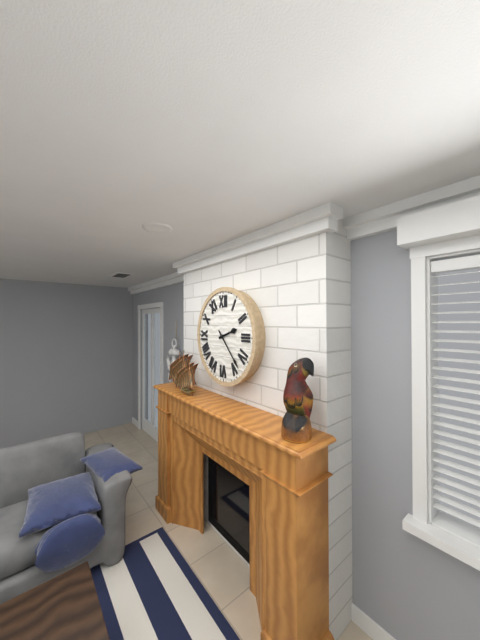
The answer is 2:23
